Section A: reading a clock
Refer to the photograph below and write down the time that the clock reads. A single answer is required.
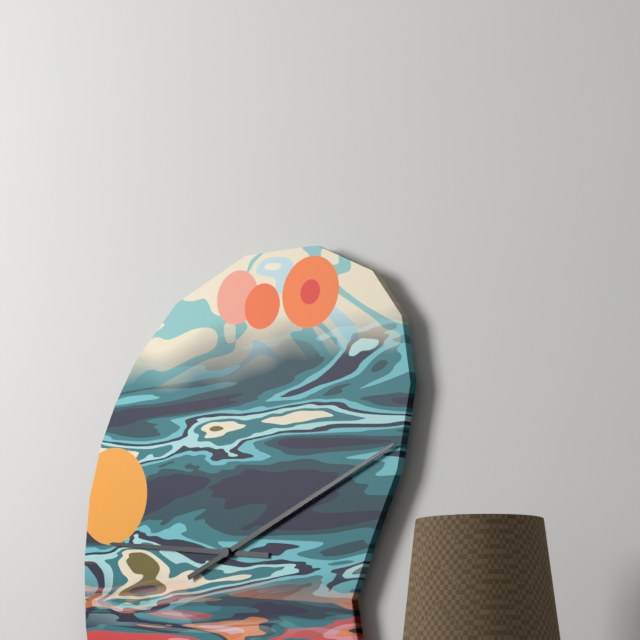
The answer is 9:11
